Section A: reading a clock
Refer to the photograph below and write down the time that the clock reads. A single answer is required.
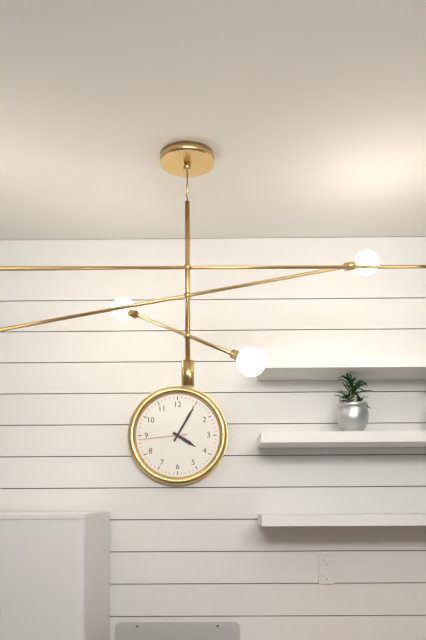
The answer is 4:05
